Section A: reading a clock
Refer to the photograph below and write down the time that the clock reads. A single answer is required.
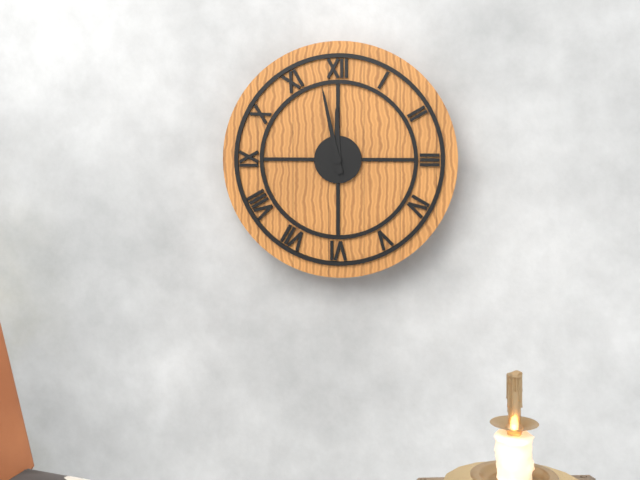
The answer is 11:58
